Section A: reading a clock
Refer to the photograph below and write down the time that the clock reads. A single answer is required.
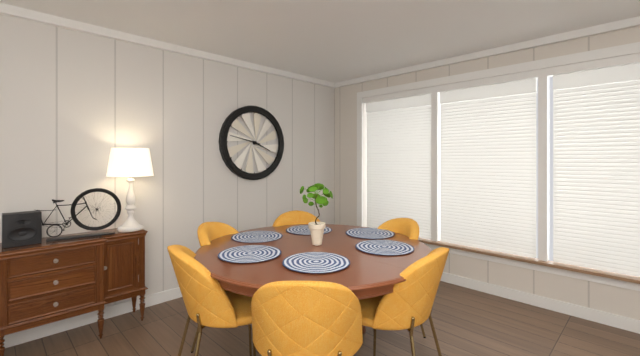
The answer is 3:47
